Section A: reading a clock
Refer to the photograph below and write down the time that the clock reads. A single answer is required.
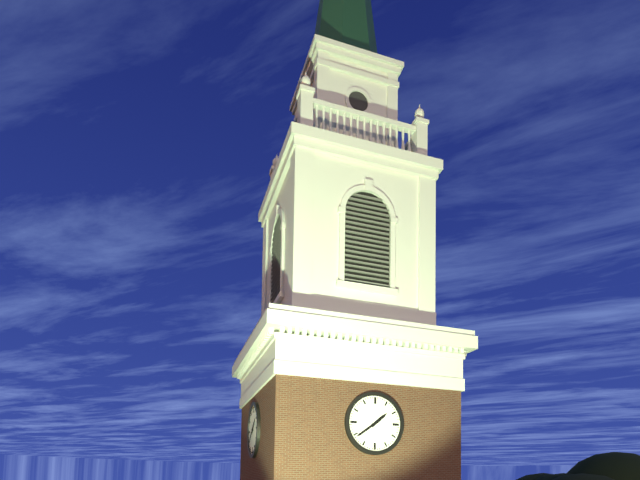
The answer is 1:39
